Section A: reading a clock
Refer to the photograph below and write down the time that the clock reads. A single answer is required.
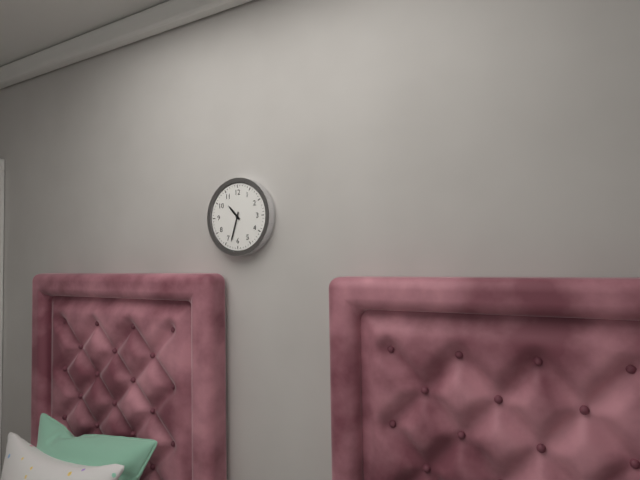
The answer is 10:33
